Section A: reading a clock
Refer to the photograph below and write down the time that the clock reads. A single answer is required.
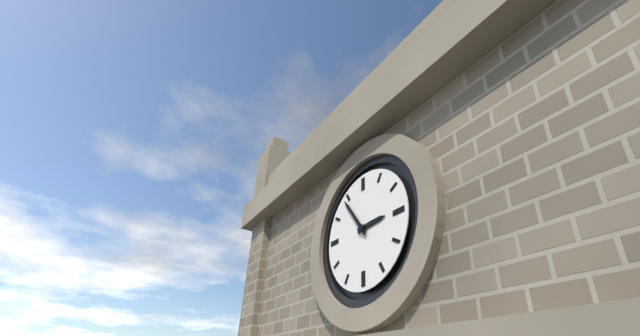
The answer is 2:54
